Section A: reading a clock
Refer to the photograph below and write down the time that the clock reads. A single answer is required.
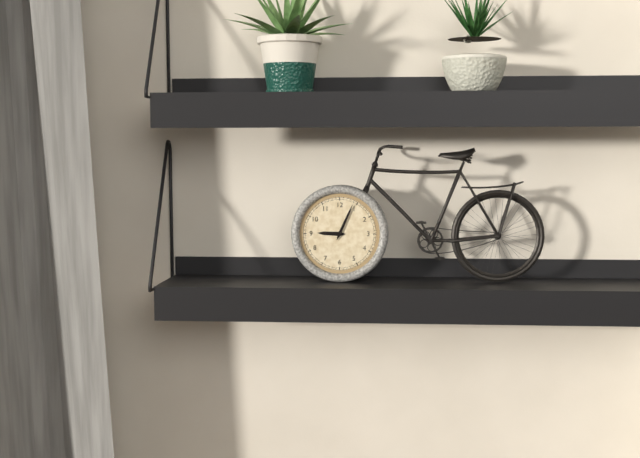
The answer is 9:04
